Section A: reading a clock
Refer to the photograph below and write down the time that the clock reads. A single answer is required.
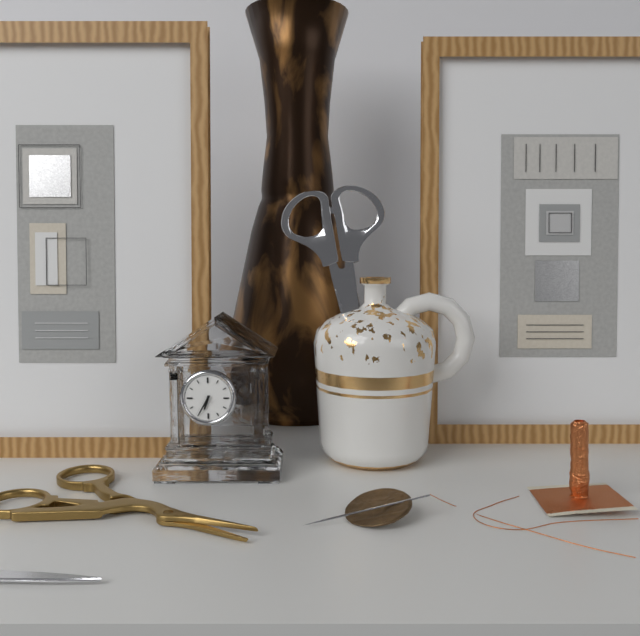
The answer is 6:35
